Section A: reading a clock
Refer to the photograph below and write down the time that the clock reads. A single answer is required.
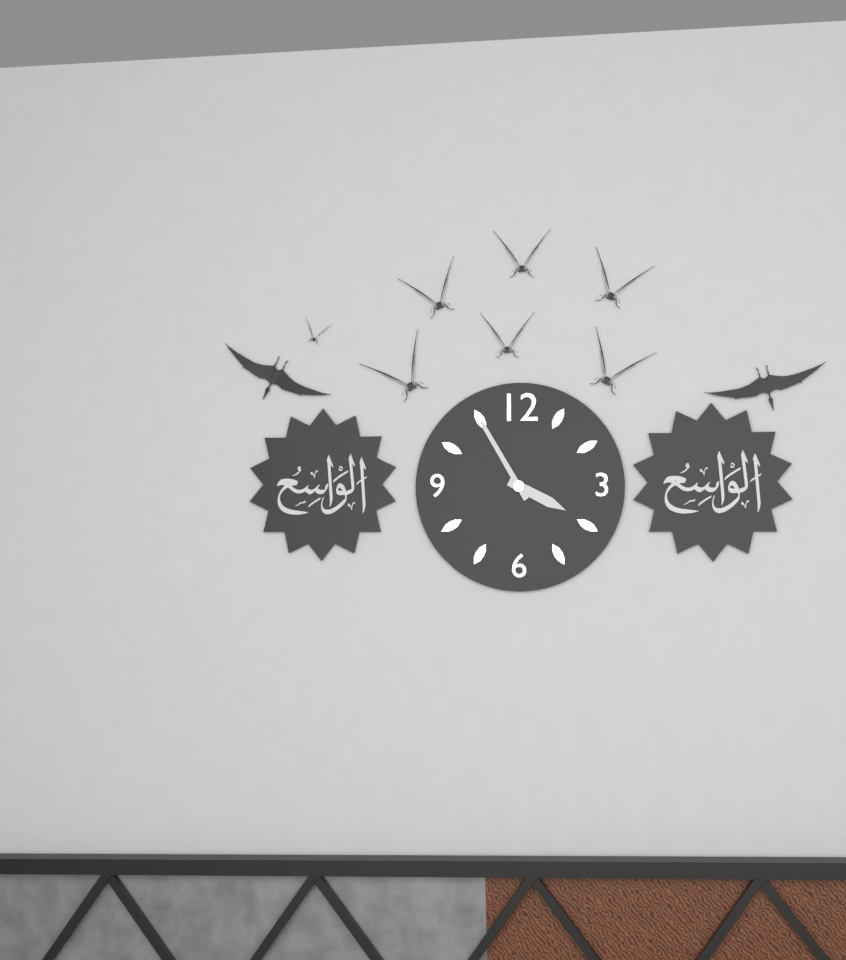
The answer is 3:55
